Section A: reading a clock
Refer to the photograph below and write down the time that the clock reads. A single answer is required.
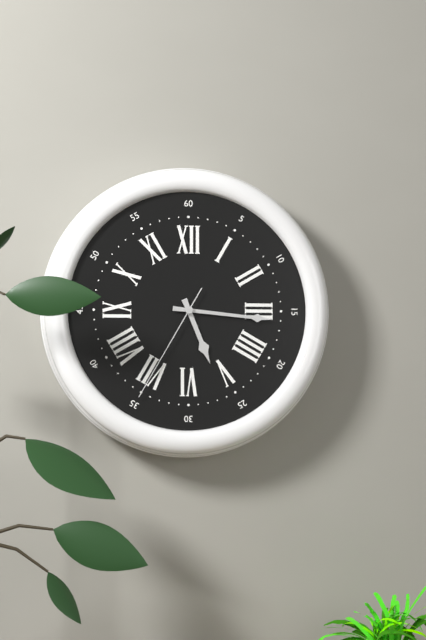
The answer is 5:16:35
